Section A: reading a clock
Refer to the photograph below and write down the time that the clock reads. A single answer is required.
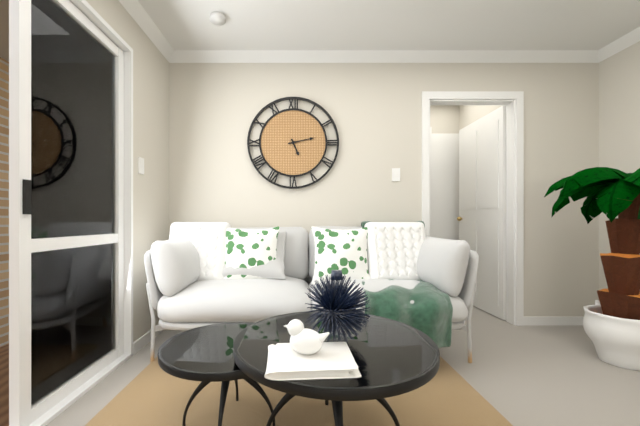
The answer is 5:13
